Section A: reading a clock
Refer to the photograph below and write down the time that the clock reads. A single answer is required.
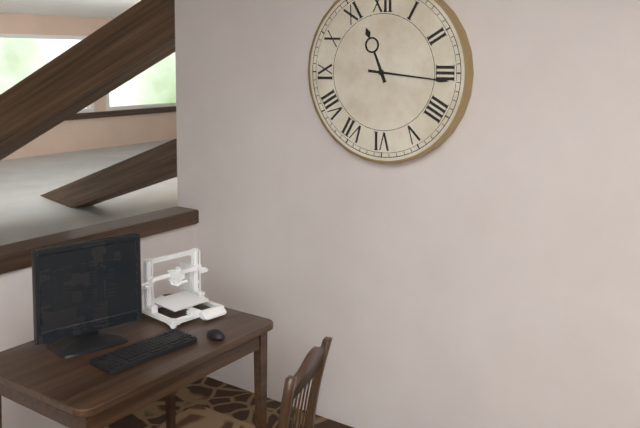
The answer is 11:16
